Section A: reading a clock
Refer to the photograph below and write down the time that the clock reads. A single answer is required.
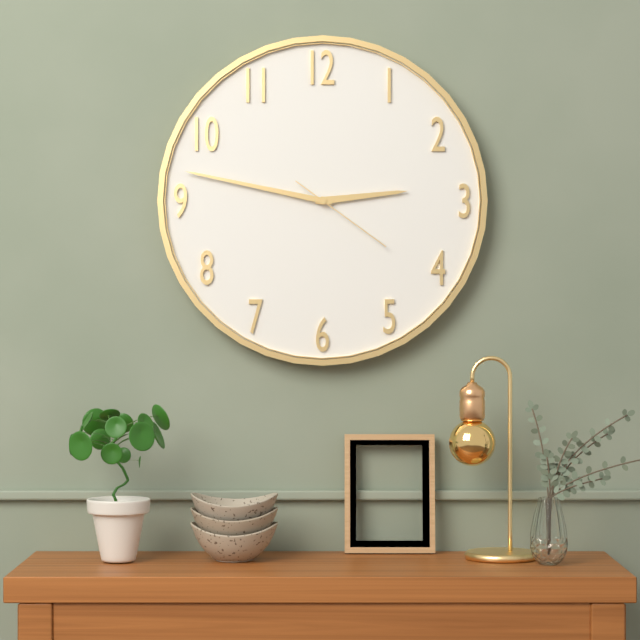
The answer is 2:47:21
